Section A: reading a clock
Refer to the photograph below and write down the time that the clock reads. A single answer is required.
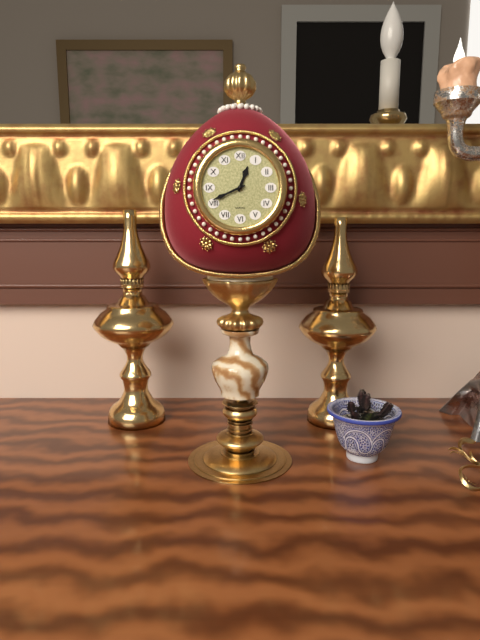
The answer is 12:41
